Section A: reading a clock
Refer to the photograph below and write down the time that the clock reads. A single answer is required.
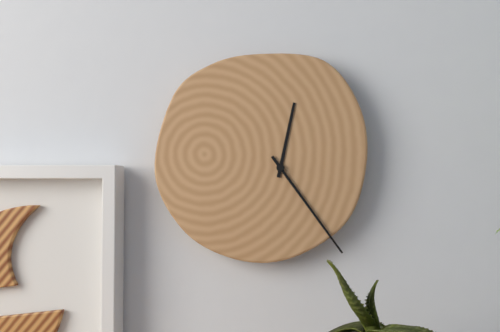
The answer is 12:24
